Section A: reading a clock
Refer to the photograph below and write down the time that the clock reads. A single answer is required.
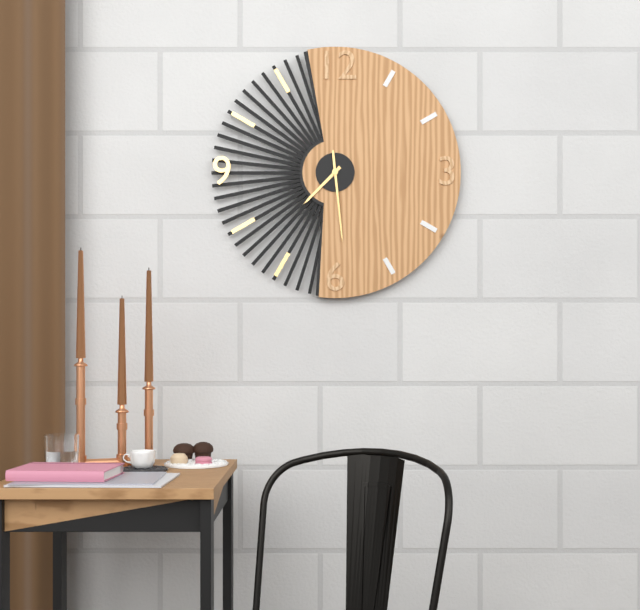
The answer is 7:29
